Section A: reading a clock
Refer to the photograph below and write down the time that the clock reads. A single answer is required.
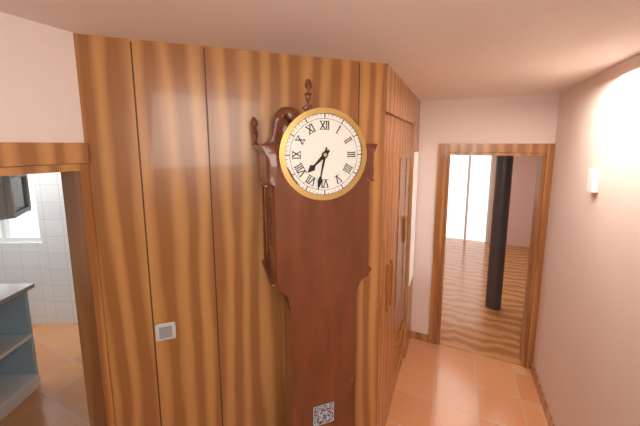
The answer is 7:32
